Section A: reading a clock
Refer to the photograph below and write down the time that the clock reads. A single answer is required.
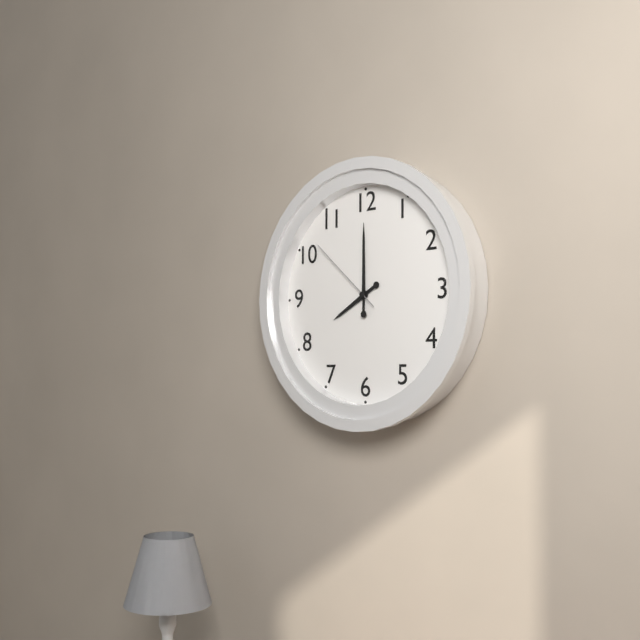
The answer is 8:00:52
